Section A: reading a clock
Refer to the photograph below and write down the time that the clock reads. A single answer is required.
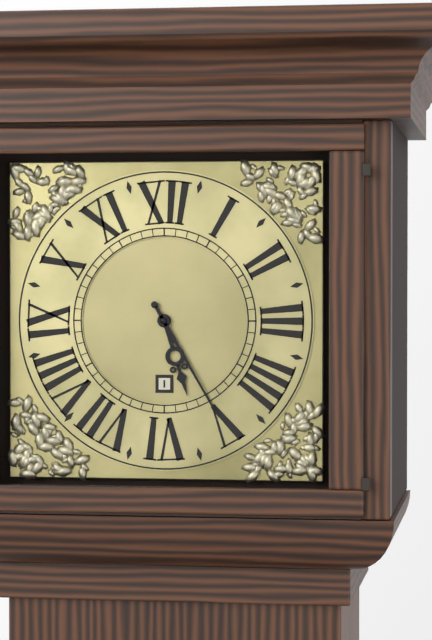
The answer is 5:25
